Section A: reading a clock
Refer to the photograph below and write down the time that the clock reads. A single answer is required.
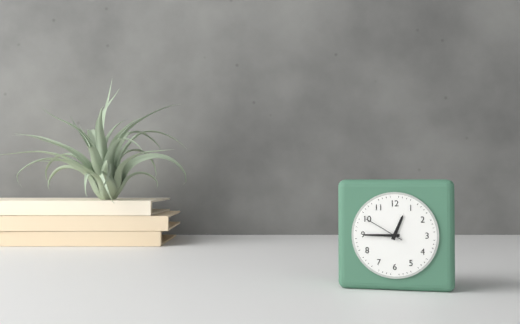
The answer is 12:45
